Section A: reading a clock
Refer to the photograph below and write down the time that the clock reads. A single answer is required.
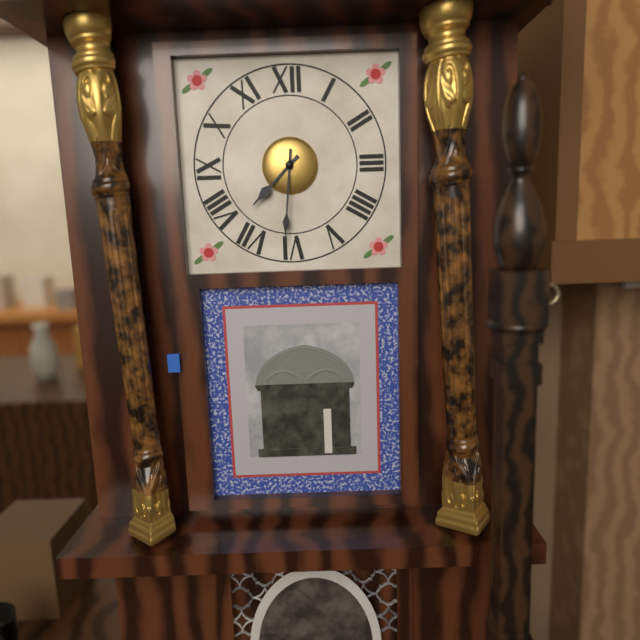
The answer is 7:31
